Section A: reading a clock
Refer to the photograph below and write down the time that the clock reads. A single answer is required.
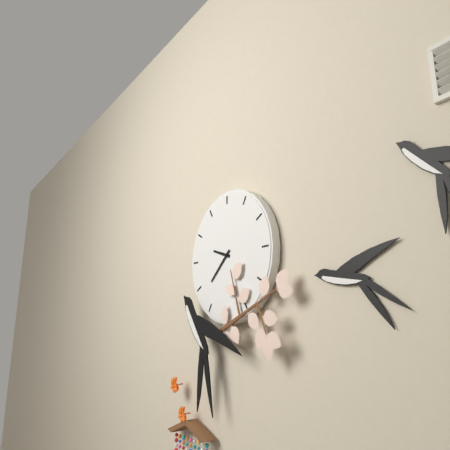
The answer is 9:38
